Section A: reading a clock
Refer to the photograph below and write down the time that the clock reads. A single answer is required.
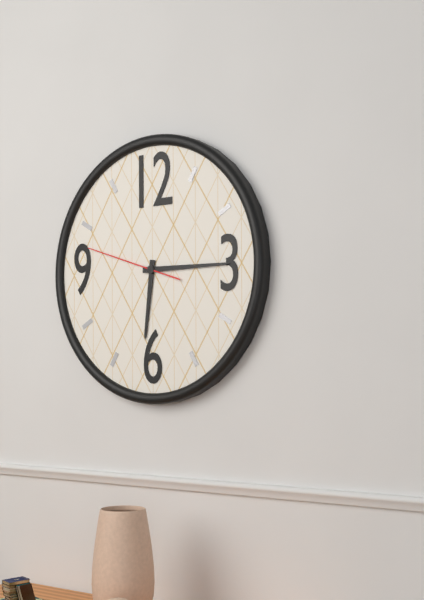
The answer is 6:15:48
